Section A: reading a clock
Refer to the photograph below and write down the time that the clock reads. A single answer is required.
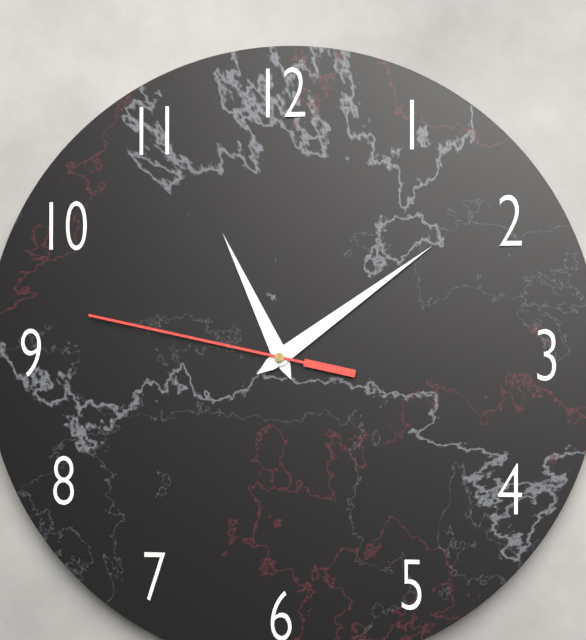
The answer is 11:09:47
